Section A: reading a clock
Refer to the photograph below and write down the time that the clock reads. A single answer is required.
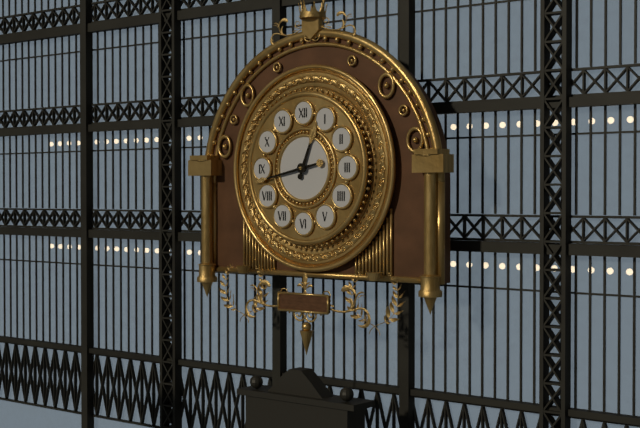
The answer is 12:43
